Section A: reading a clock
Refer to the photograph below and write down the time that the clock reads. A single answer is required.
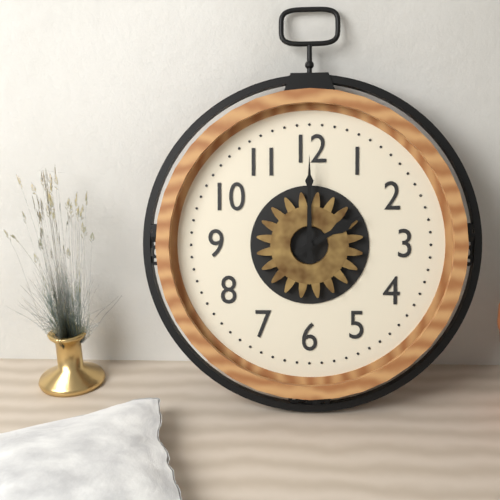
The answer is 2:00
